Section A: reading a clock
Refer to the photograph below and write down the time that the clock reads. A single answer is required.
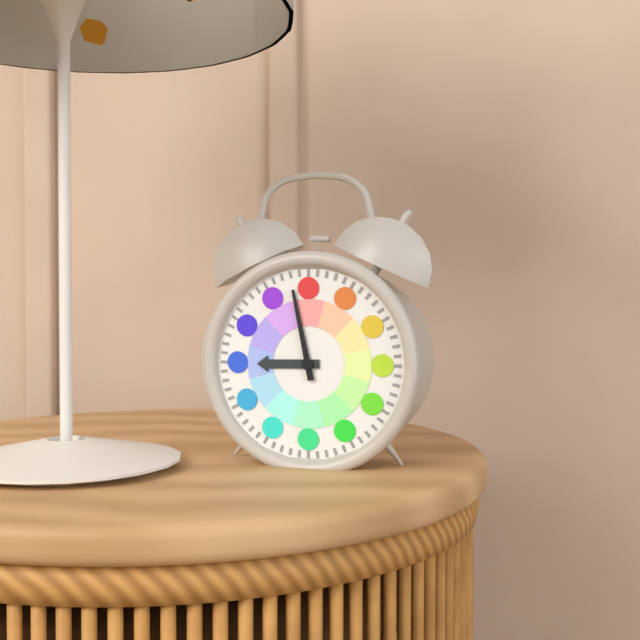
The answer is 8:58
